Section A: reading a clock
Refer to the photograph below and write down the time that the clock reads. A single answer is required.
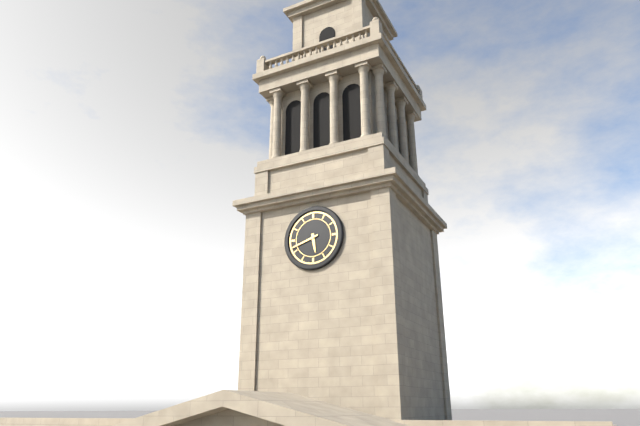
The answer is 5:42
